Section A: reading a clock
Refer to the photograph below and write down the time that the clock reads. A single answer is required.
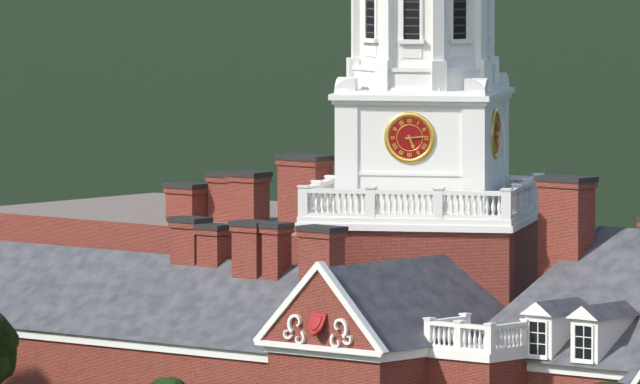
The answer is 5:14
